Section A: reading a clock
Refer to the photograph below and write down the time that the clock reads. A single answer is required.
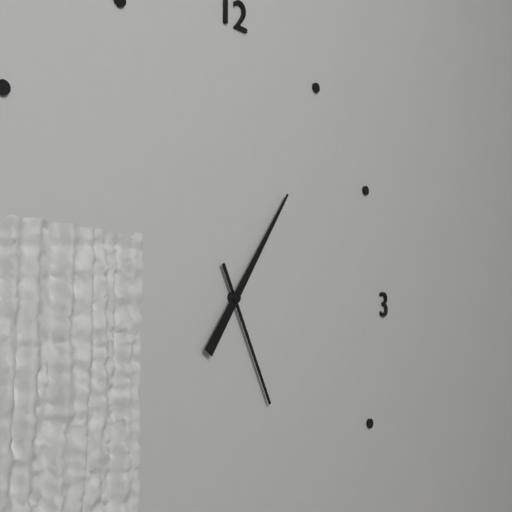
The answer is 5:06
